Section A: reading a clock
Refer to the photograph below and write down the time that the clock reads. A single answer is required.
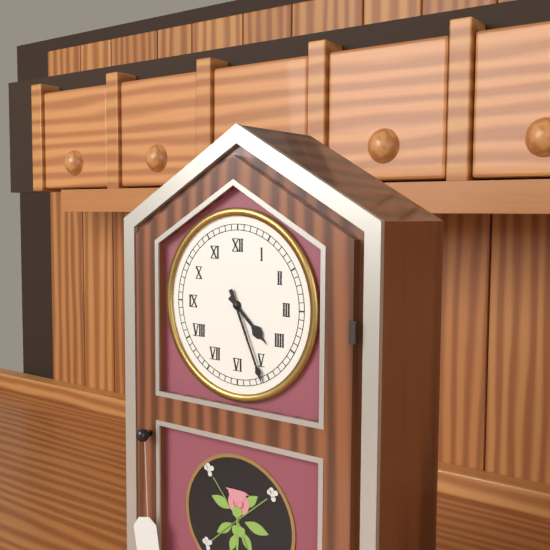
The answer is 4:26
